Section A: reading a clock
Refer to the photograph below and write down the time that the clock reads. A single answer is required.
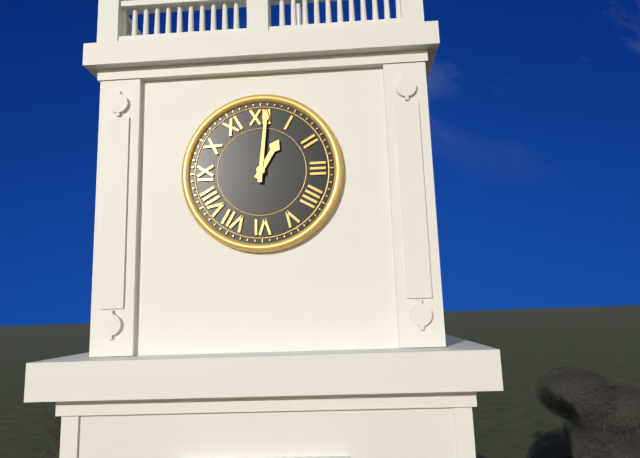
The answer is 1:01
